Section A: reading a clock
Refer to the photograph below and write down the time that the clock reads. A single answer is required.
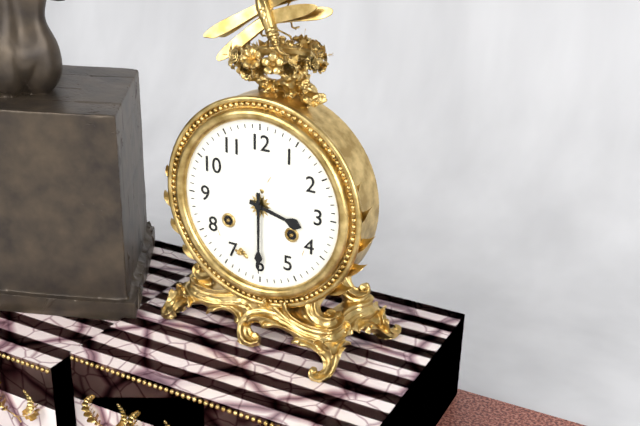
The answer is 3:30
